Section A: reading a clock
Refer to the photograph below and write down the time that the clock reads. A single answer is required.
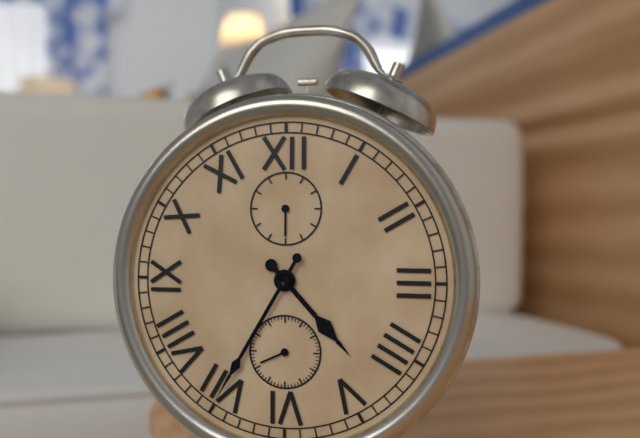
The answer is 4:35
